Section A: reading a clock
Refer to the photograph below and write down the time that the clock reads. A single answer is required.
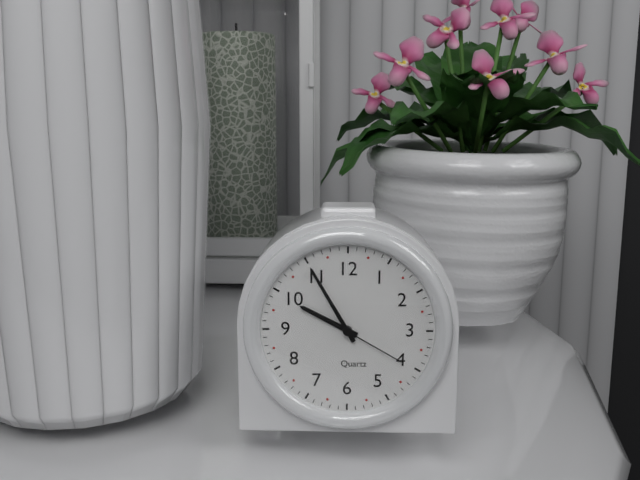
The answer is 9:55:20
